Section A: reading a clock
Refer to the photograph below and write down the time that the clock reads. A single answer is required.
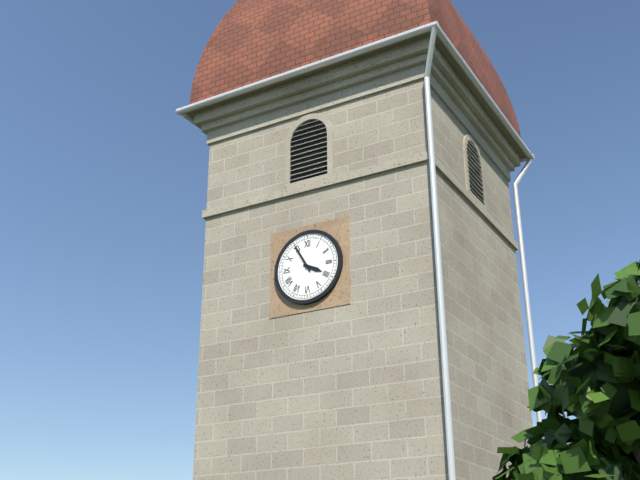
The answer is 3:55
